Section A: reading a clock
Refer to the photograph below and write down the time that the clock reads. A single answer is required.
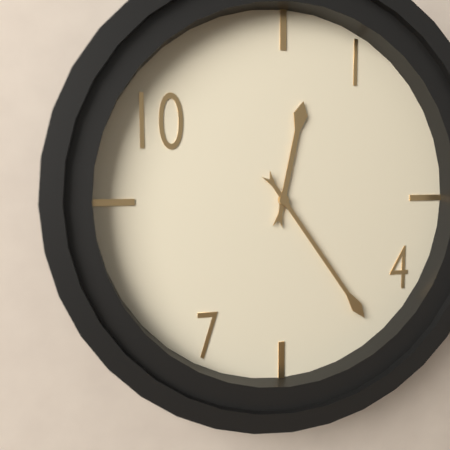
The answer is 12:24
